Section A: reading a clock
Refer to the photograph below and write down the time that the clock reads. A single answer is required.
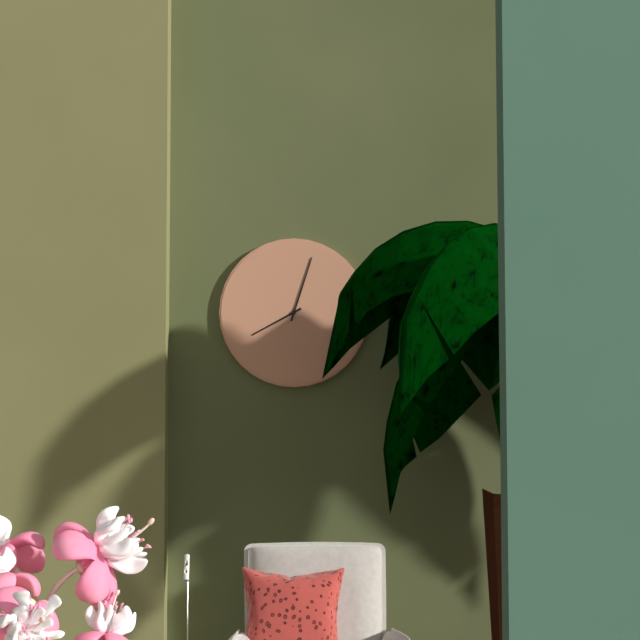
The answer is 8:03
